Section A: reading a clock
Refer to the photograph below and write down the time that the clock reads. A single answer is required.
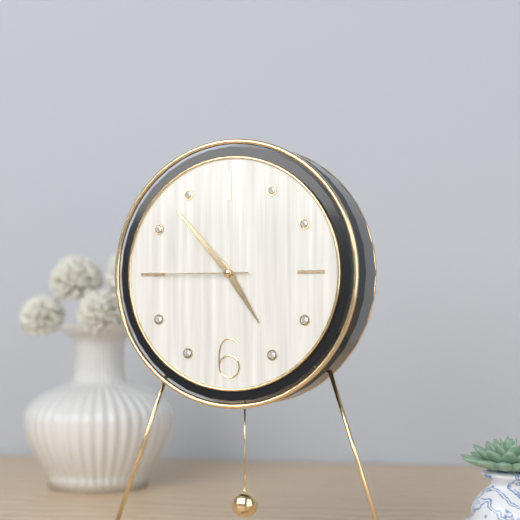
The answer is 4:53:45
